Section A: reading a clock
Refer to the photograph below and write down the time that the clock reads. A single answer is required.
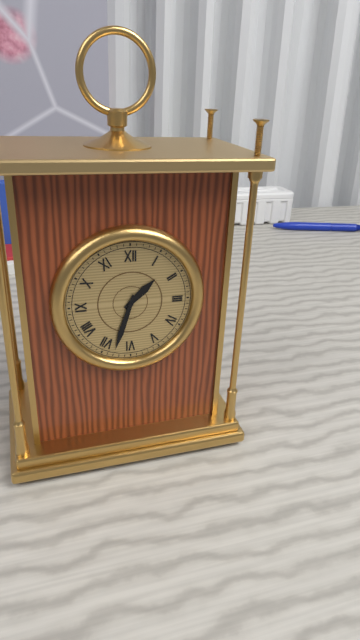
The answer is 1:33
